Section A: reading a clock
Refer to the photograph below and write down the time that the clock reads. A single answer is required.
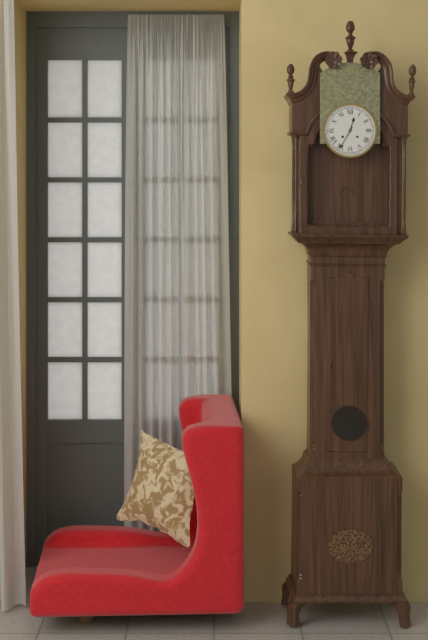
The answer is 12:35
